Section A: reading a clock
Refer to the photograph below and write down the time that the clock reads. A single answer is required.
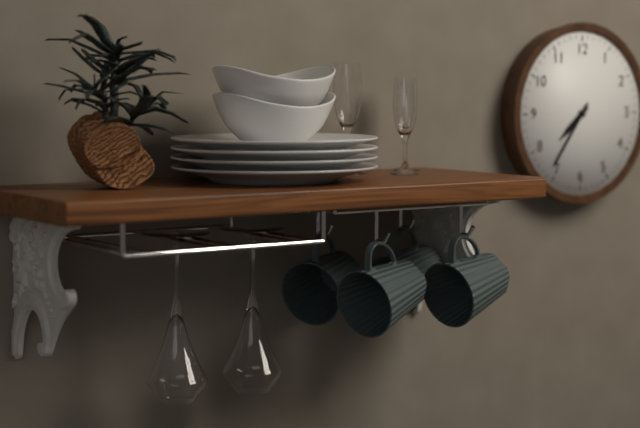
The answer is 7:36
